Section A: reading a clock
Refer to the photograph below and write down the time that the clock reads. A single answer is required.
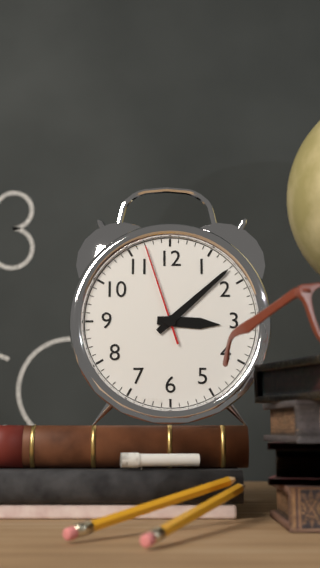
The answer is 3:08:57
